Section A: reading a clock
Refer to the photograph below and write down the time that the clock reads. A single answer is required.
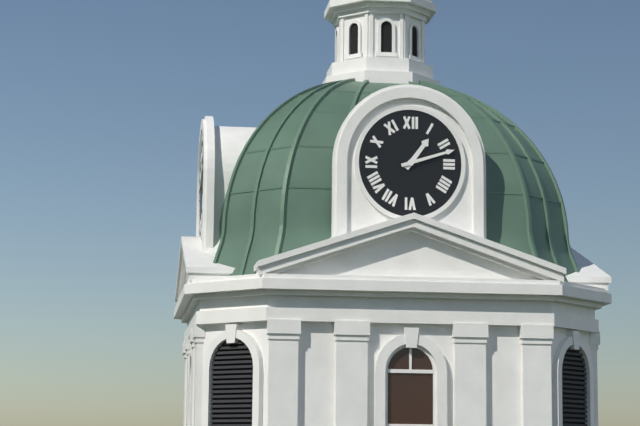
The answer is 1:12
